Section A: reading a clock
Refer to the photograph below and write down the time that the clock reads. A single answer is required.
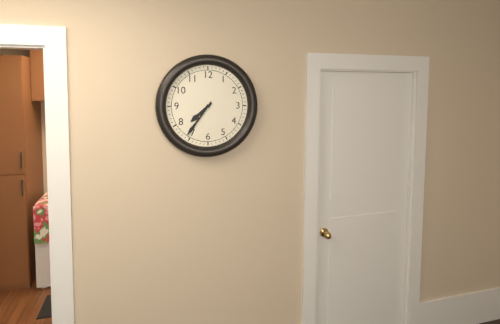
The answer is 7:36
